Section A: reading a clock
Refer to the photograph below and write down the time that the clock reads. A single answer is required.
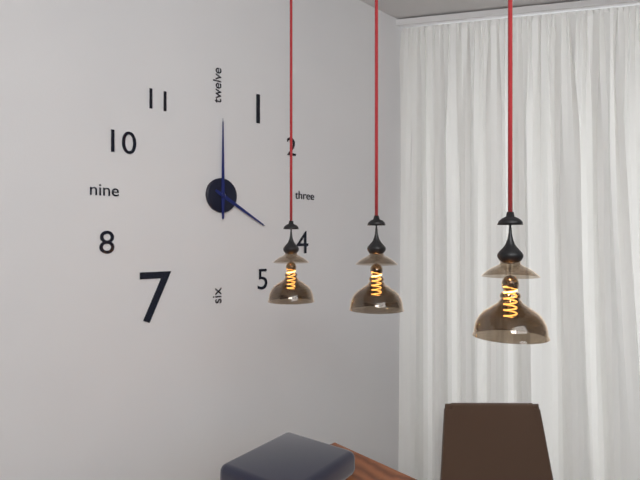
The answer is 4:00
